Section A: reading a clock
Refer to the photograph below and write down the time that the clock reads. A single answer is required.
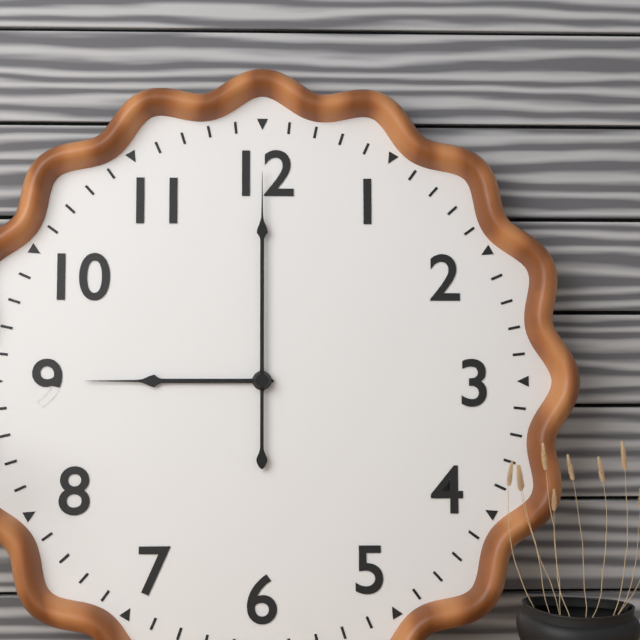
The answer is 9:00
